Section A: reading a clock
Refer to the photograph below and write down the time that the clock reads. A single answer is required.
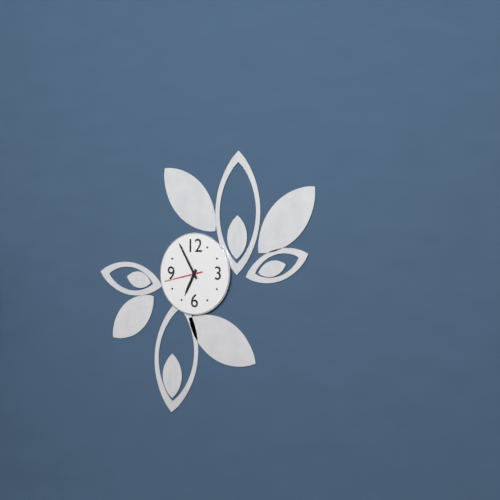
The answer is 6:55
